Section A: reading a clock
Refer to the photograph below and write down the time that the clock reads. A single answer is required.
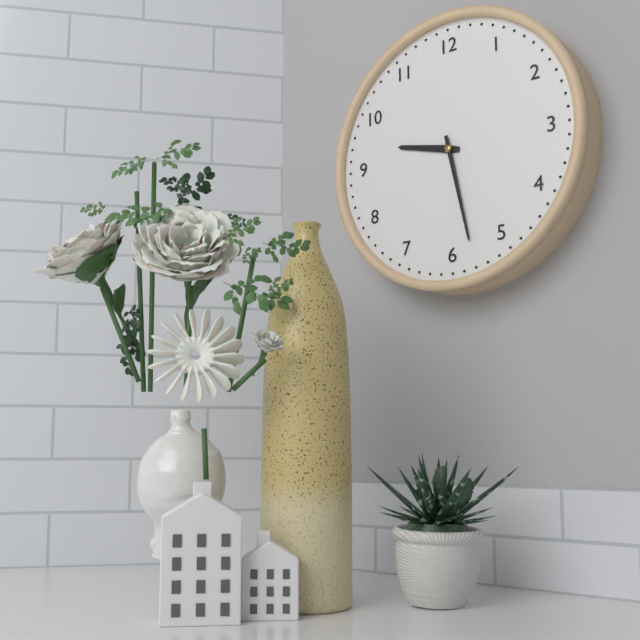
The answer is 9:28
